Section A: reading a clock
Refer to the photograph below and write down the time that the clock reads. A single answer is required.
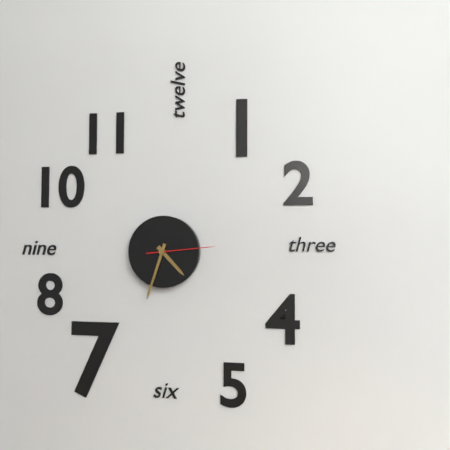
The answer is 4:33:14
